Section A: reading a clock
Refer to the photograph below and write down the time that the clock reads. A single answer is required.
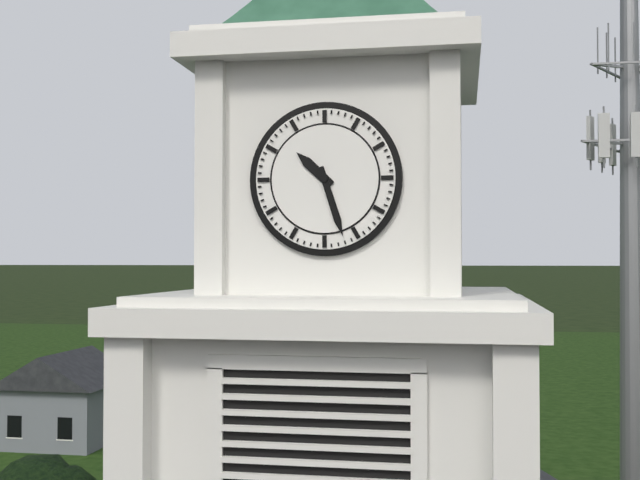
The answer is 10:27
